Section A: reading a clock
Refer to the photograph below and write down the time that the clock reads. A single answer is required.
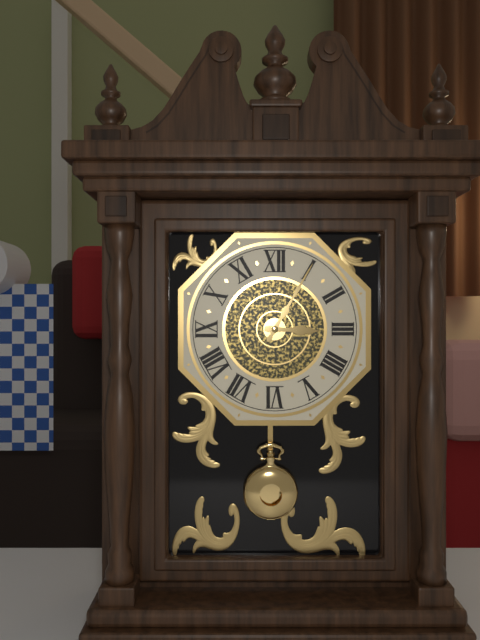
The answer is 3:05
